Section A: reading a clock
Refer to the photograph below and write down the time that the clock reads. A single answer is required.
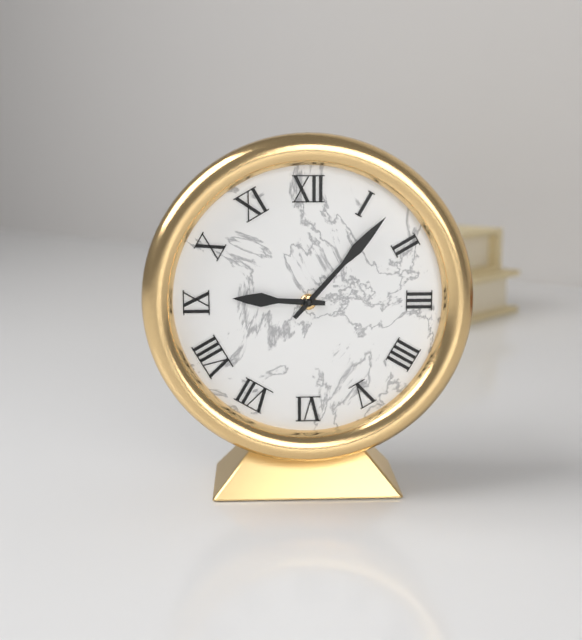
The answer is 9:07
